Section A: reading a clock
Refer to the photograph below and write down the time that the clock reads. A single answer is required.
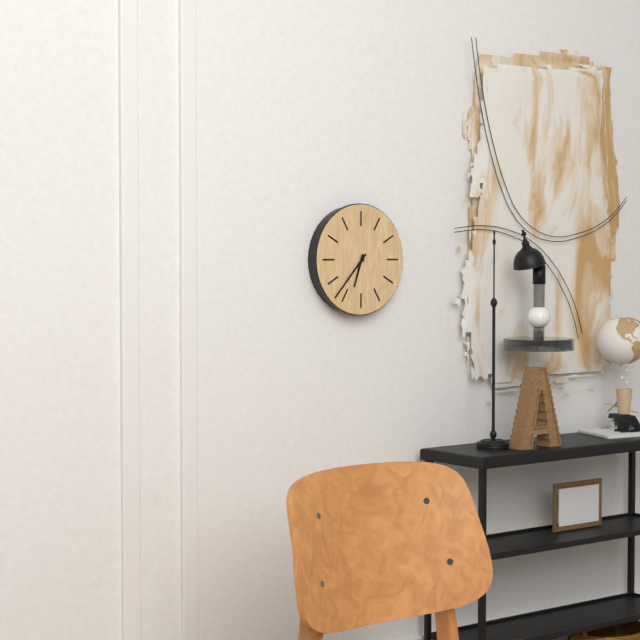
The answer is 6:37
